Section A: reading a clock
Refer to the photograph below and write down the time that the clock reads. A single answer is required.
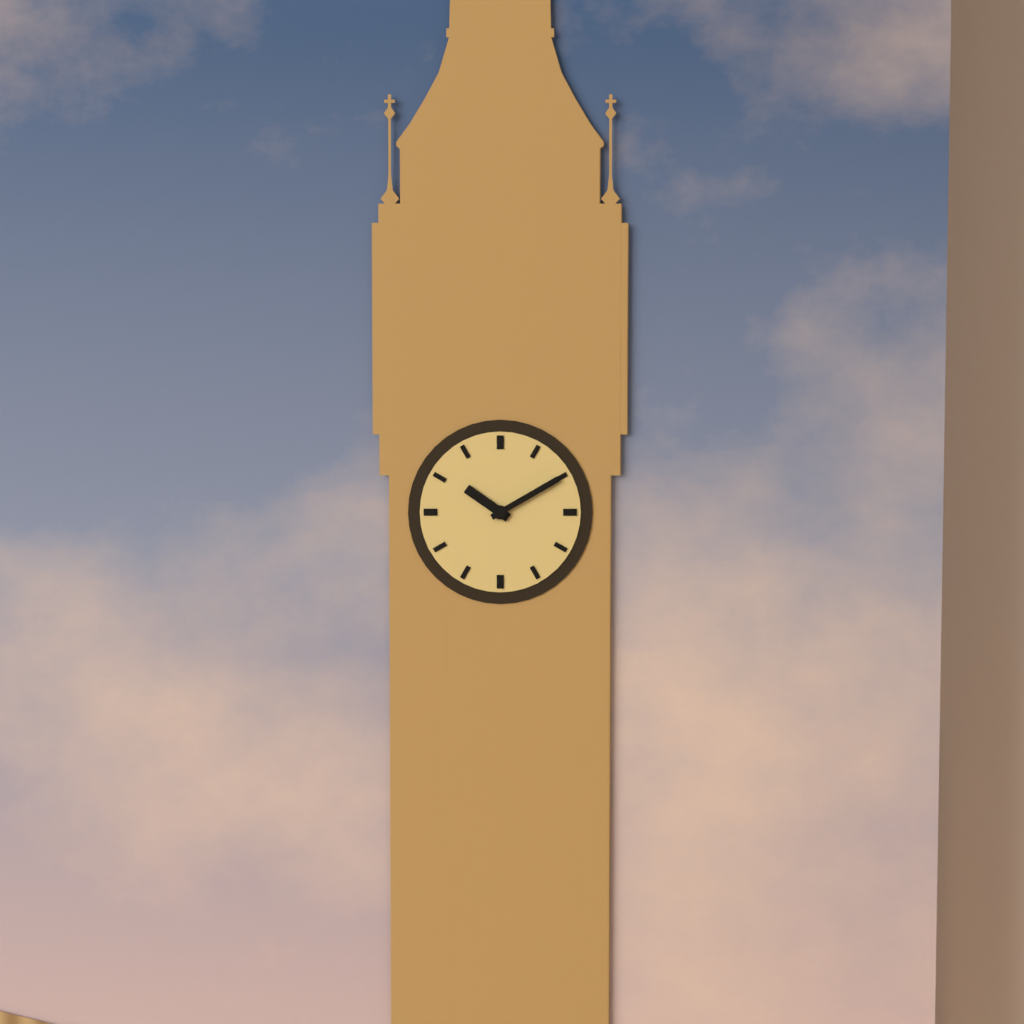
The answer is 10:10
